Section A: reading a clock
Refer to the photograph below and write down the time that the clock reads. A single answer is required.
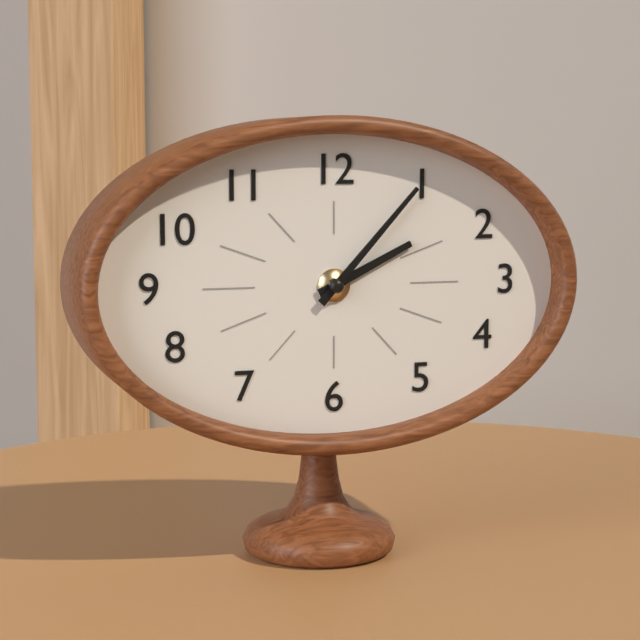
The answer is 2:07
